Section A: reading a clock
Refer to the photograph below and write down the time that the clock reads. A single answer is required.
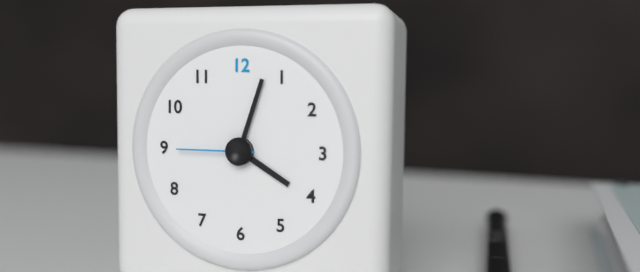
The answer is 4:03:45
